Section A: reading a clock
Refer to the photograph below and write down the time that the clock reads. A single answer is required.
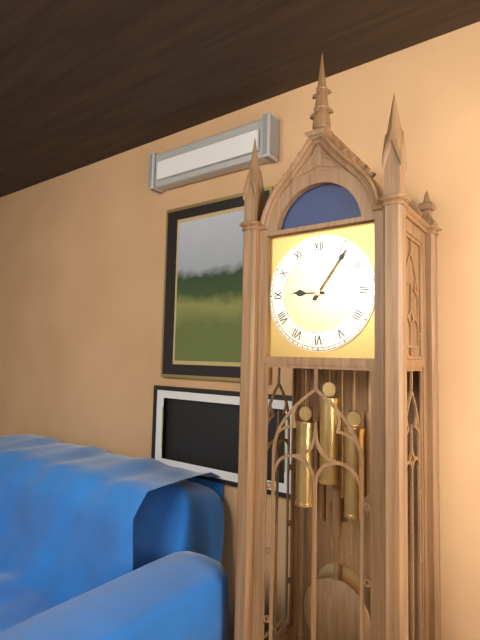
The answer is 9:06
